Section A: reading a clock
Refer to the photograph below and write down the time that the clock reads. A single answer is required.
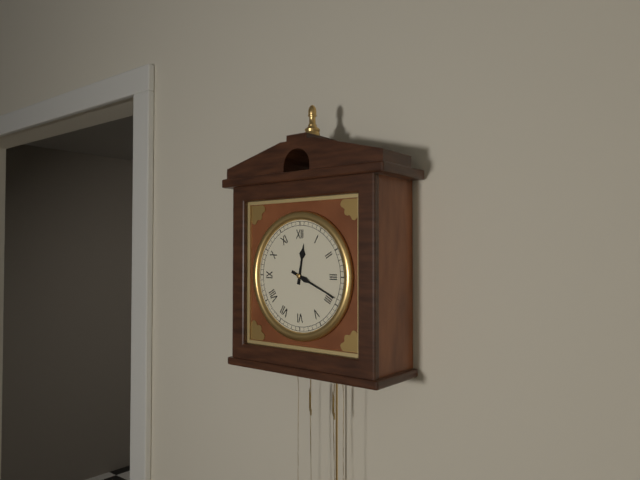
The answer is 12:19
